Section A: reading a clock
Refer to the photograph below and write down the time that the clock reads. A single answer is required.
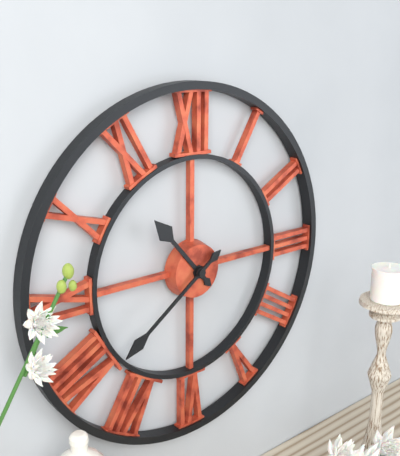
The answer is 10:39
